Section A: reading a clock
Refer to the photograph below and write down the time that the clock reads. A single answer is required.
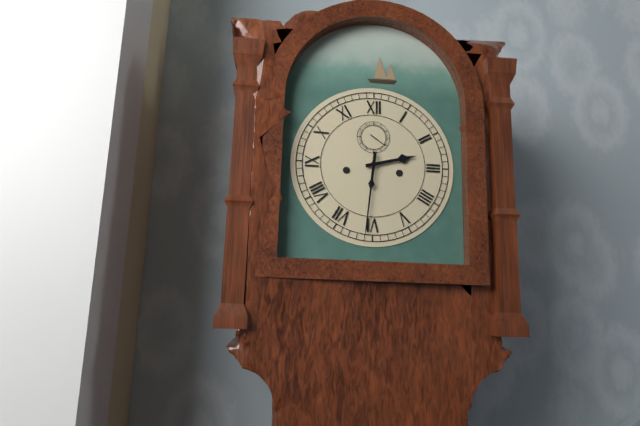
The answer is 2:31
